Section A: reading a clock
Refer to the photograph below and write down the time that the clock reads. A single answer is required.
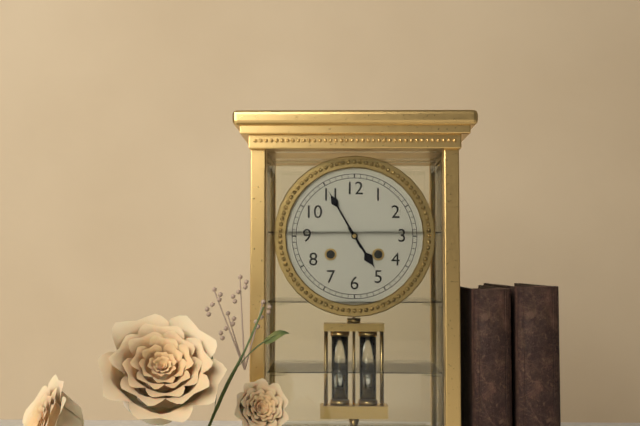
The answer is 4:55
